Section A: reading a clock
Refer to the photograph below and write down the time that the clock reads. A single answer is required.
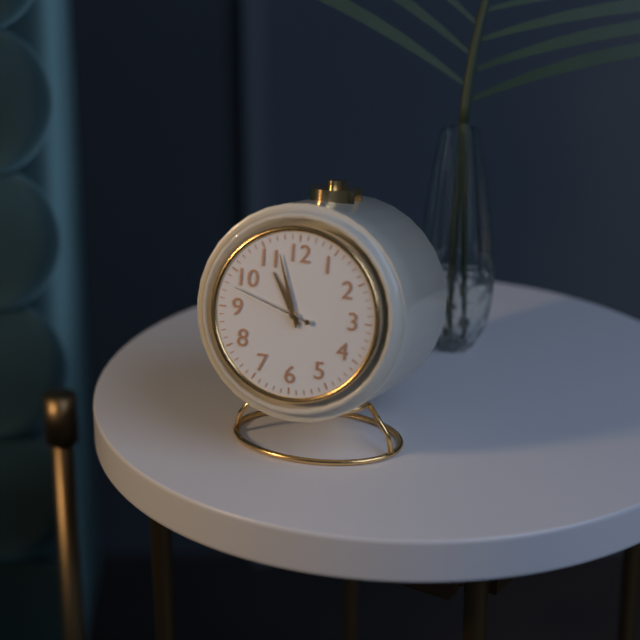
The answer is 10:57:48
